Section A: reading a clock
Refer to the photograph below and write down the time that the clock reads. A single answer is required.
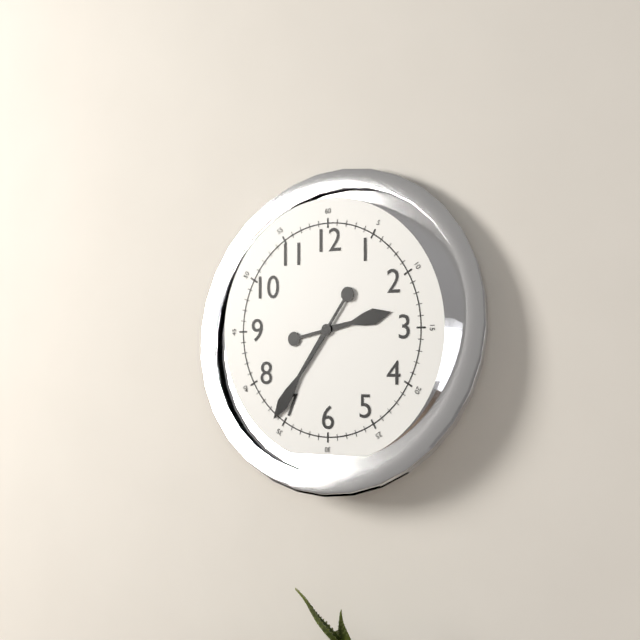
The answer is 2:36
